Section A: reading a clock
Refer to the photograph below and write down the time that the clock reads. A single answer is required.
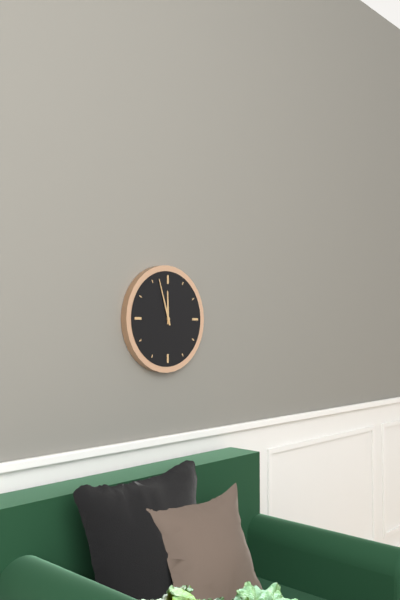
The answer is 11:57
